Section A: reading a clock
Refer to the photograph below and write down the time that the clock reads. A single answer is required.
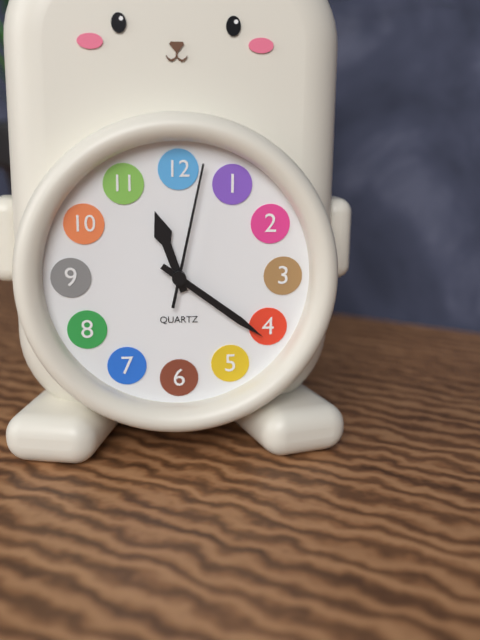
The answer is 11:21:02
